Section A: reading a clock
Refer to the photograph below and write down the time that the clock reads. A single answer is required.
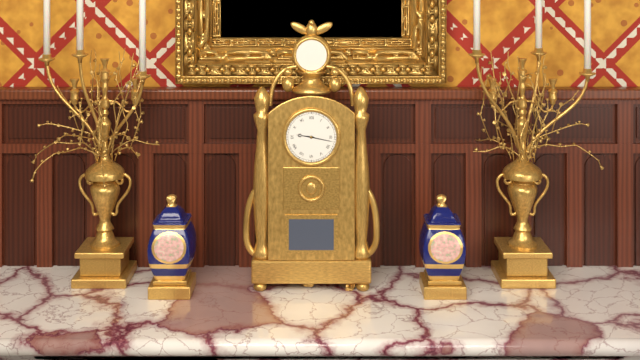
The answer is 9:17
